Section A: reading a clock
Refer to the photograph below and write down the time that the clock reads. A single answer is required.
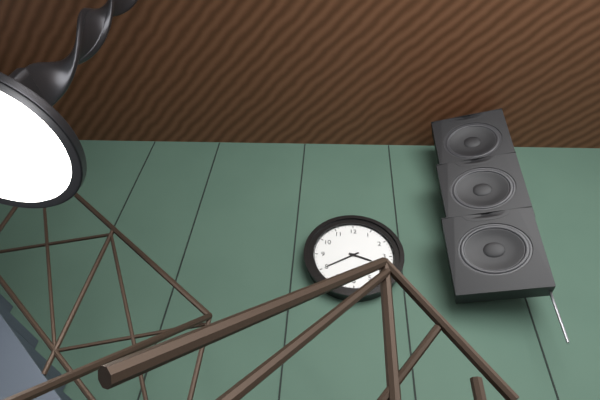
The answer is 3:40
